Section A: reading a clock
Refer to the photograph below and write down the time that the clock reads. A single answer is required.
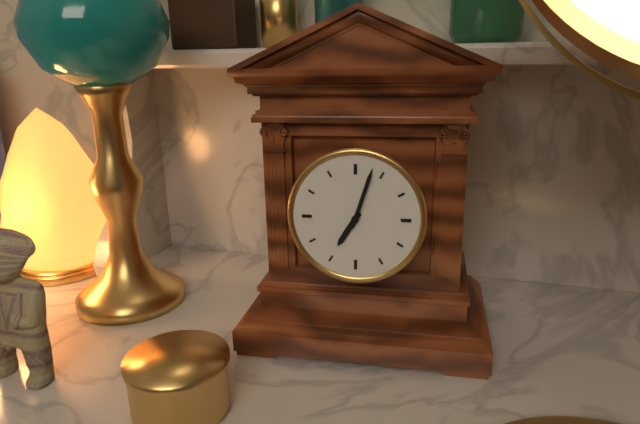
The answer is 7:03
